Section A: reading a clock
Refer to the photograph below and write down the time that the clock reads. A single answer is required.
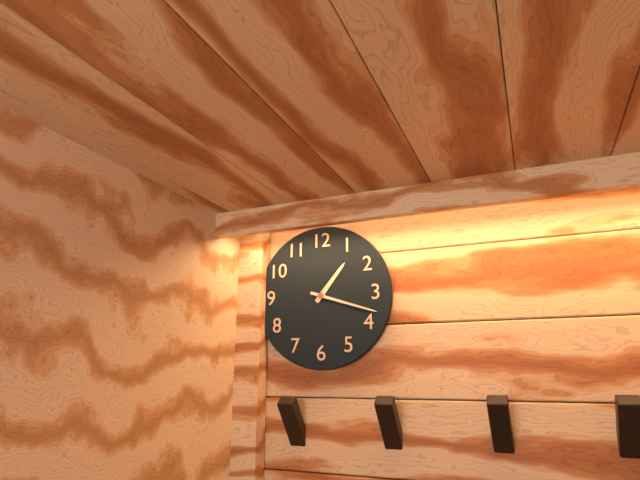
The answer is 1:18
